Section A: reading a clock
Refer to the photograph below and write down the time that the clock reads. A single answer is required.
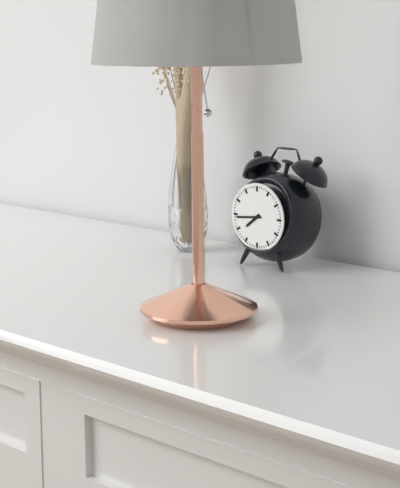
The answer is 7:44
